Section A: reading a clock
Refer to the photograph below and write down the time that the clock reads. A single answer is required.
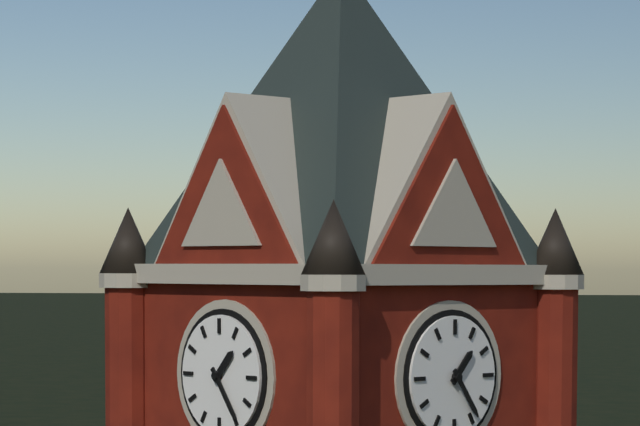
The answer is 1:24
